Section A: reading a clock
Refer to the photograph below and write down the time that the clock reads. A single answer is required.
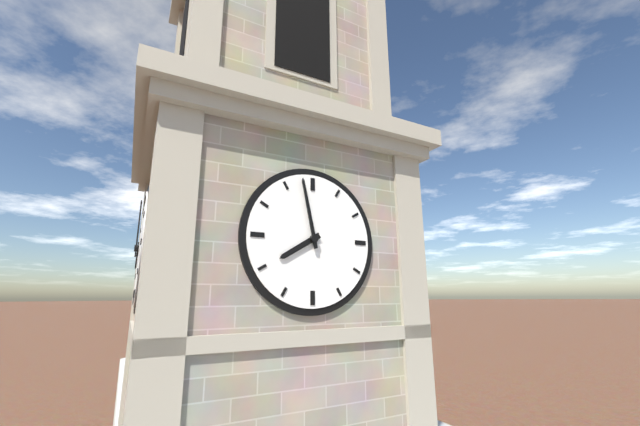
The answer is 7:58
